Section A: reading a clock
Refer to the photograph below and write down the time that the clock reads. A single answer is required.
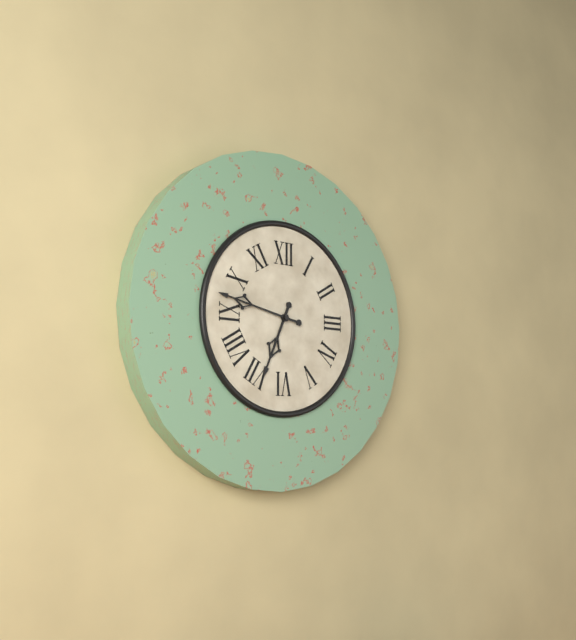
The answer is 6:47
